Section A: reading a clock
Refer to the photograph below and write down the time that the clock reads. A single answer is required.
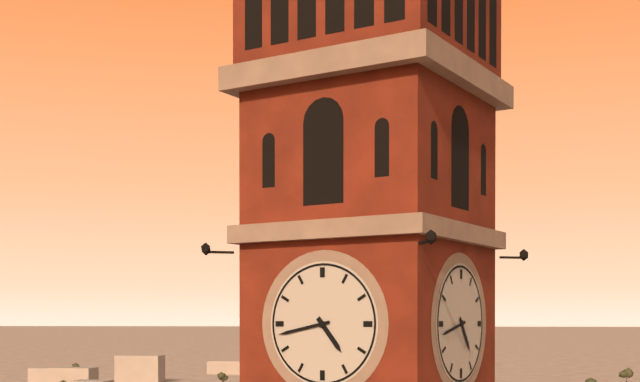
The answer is 4:43
